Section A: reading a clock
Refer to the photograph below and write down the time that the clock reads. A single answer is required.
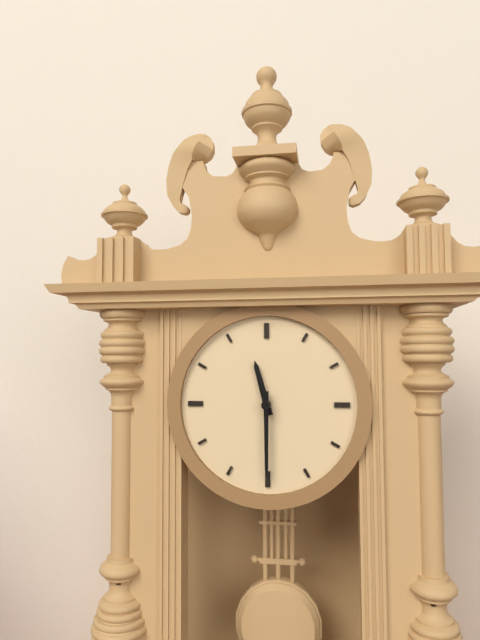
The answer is 11:30
